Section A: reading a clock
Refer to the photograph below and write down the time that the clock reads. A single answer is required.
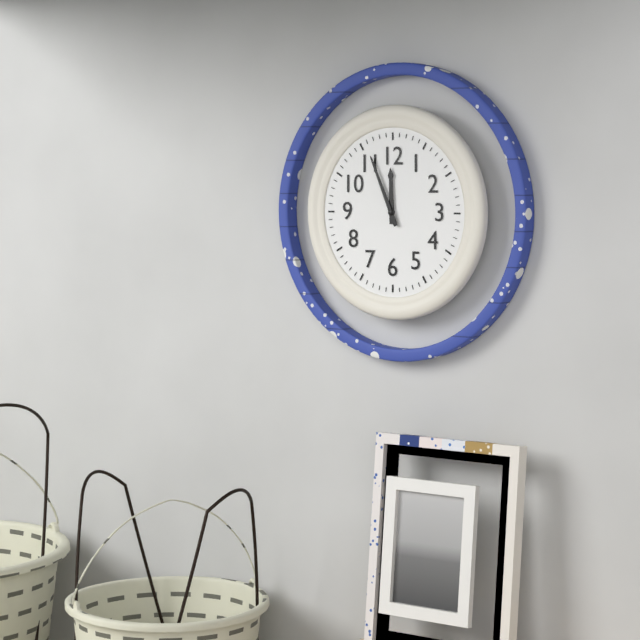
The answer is 11:56
